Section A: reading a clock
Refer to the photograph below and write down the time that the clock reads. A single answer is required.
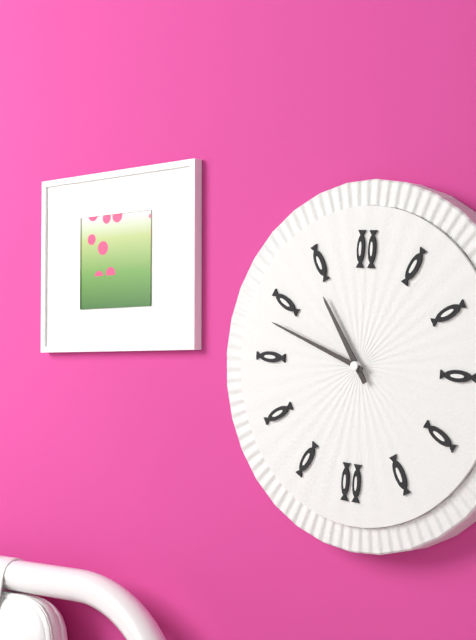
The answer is 10:48
